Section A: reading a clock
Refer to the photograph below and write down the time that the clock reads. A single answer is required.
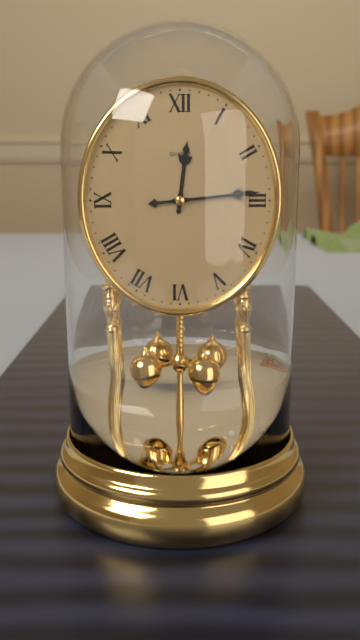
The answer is 12:14
